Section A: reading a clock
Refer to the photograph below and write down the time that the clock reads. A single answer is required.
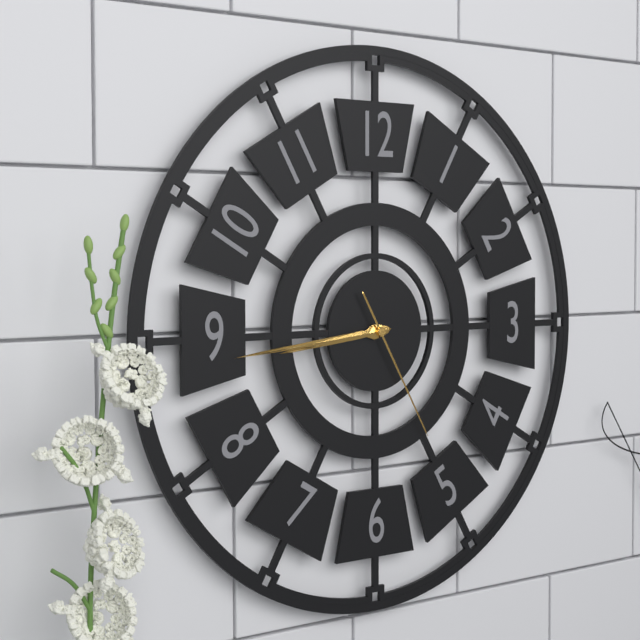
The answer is 8:44:25
